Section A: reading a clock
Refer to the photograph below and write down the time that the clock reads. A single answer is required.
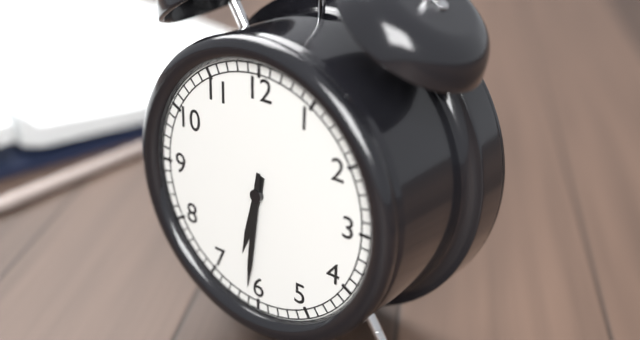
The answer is 6:31
